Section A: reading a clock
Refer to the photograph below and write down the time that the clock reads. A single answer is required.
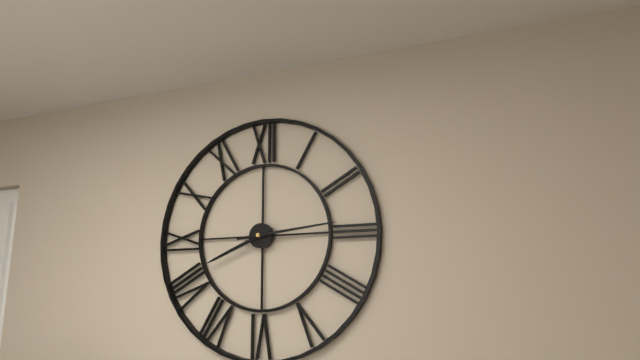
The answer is 8:14
